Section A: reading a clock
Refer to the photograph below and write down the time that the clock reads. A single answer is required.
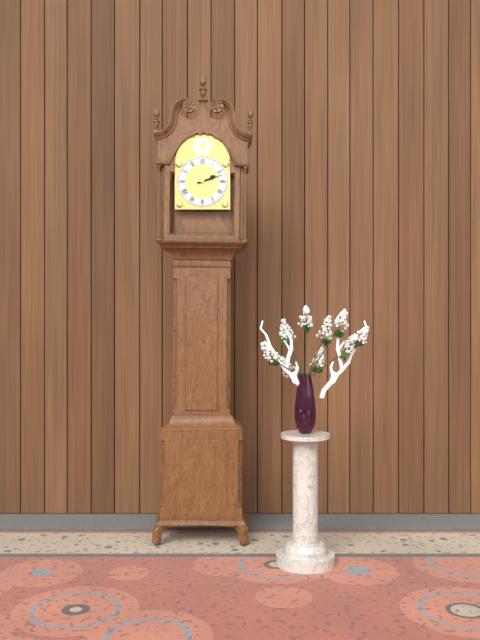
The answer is 2:12
